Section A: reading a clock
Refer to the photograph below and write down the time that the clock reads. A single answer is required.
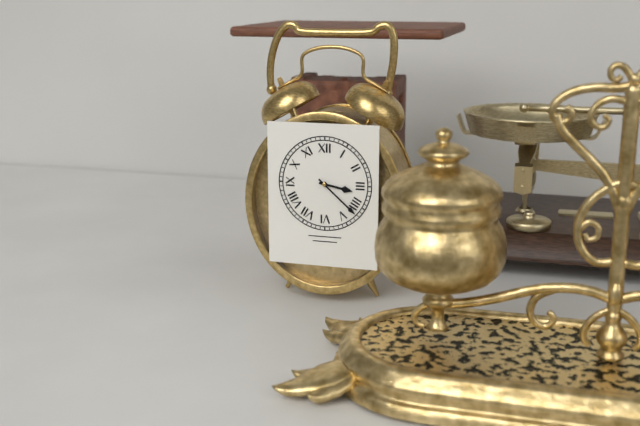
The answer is 3:22
